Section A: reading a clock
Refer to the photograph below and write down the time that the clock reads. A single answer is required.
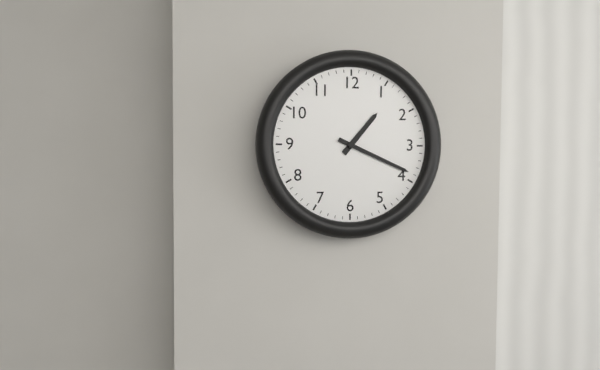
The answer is 1:19
